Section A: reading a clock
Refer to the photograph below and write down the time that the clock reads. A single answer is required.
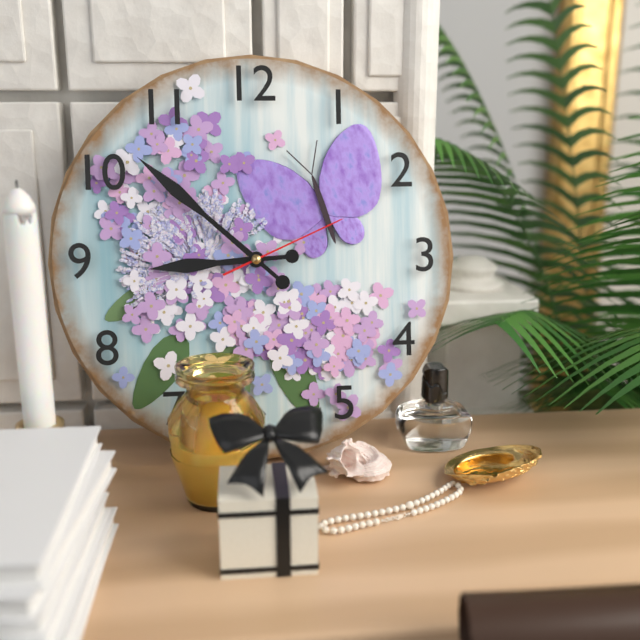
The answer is 8:52:11
